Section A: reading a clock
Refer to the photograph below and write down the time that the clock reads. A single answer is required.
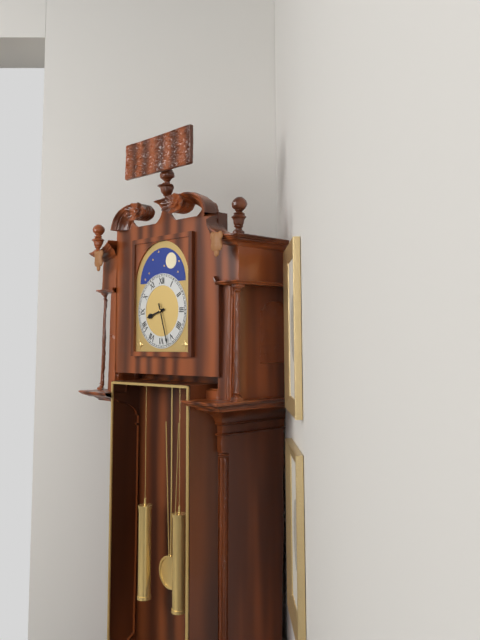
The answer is 8:27
